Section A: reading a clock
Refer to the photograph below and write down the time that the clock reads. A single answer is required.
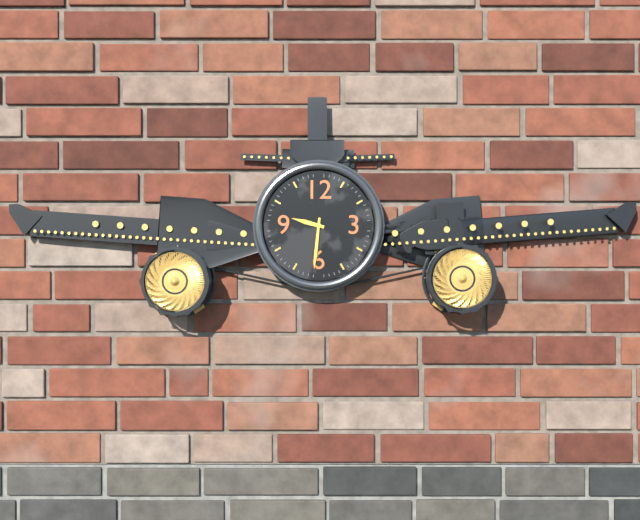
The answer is 9:31
